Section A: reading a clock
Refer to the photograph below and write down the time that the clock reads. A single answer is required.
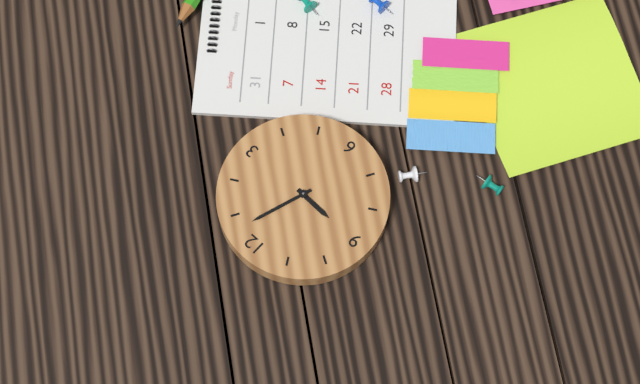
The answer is 9:03
